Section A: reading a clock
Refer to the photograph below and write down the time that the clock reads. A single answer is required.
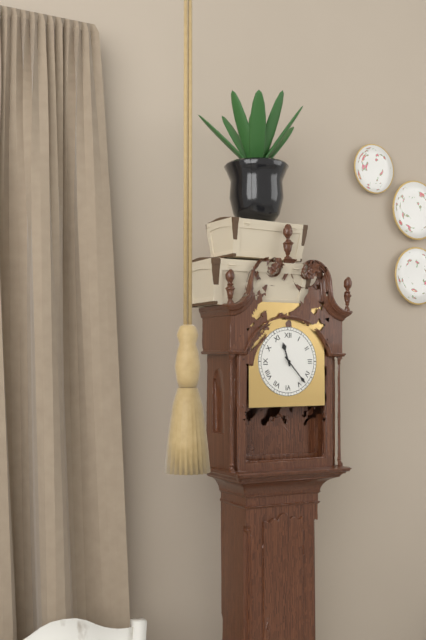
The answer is 11:23
